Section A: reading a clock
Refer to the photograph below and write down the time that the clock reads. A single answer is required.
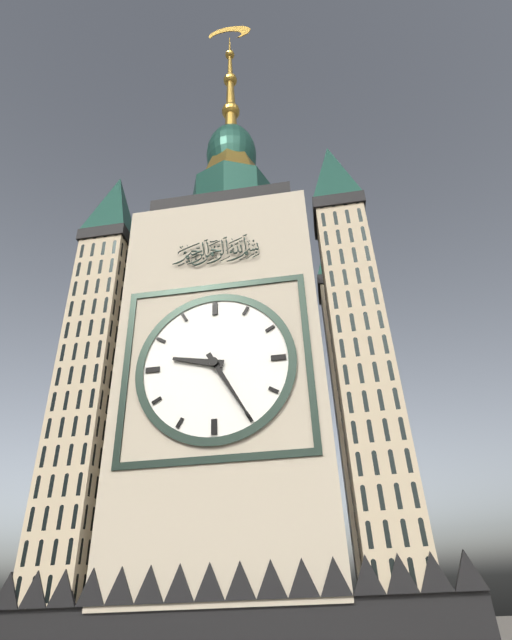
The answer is 9:25
